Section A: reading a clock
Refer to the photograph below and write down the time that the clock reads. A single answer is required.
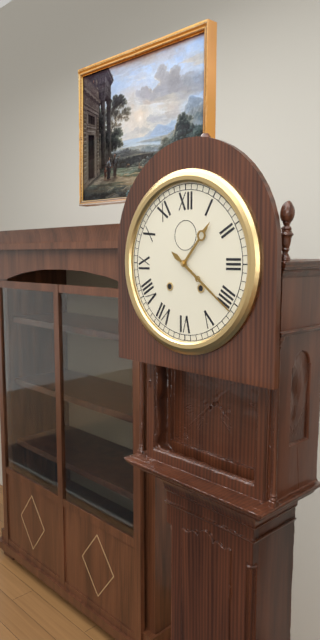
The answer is 1:21
